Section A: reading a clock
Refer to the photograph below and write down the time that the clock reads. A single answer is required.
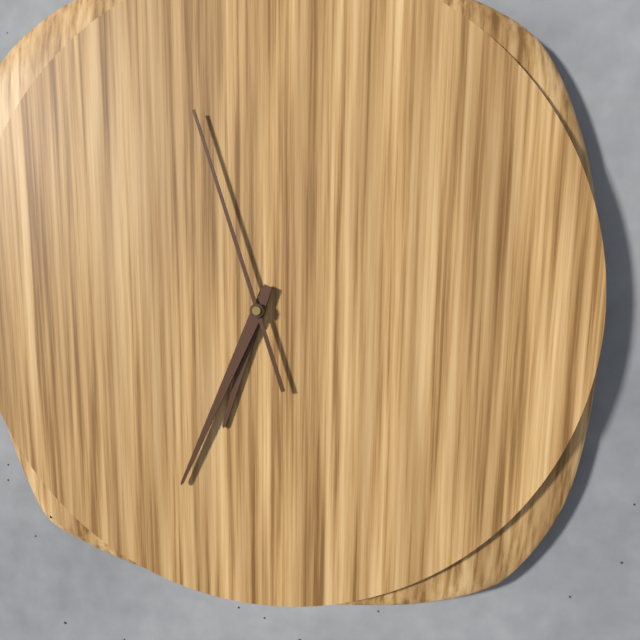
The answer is 6:34:57
